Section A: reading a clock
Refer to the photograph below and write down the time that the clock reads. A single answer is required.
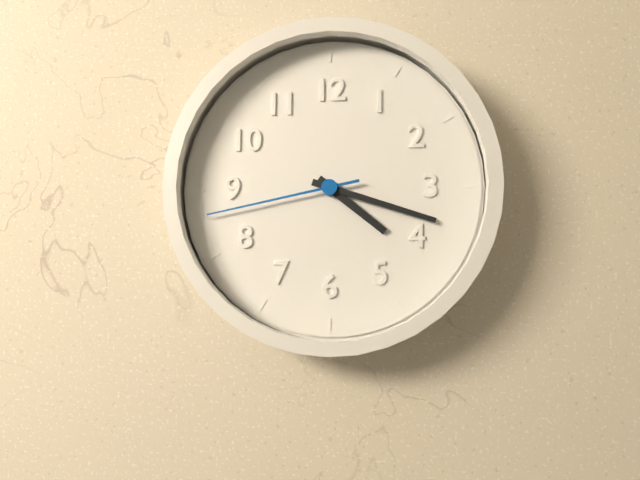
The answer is 4:18:43
